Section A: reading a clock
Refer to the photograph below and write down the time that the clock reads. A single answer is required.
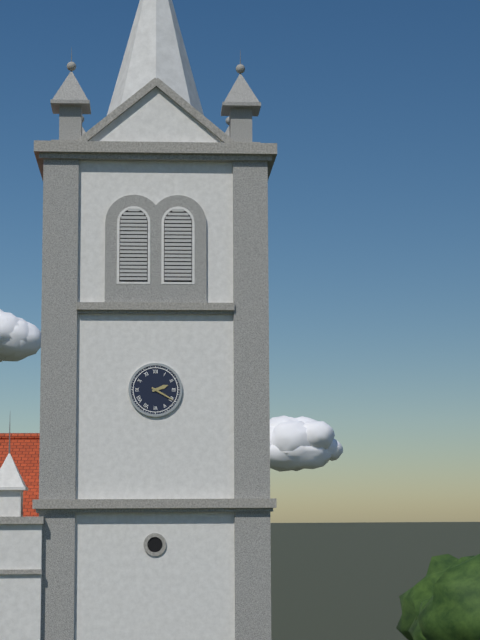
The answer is 2:20
